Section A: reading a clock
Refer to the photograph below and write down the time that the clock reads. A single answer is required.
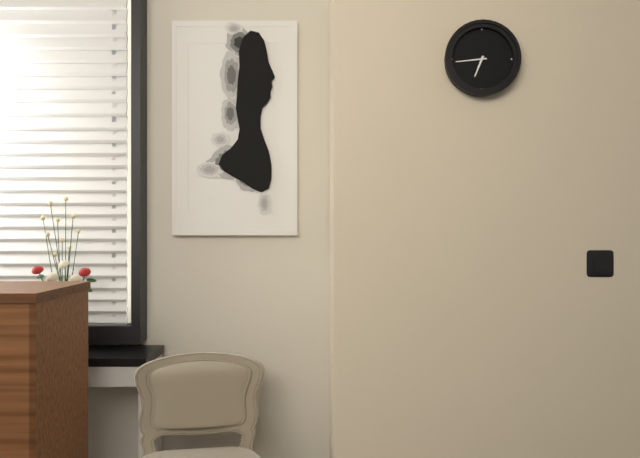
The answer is 6:44
